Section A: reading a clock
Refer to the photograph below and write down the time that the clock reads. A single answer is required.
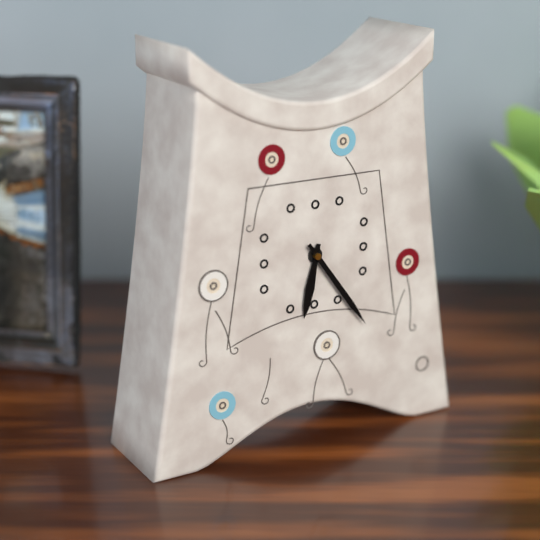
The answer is 6:24
